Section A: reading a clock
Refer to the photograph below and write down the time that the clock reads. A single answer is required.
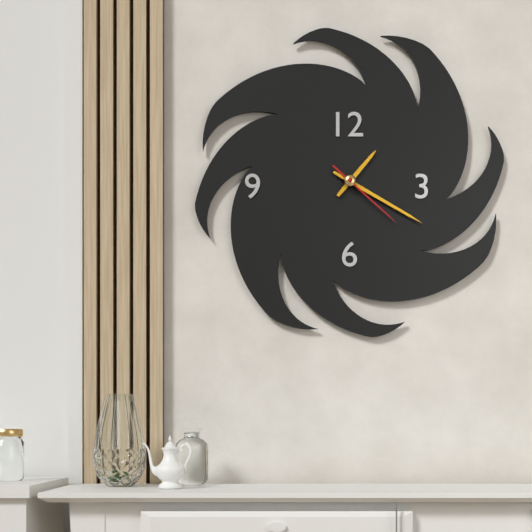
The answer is 1:20:22
